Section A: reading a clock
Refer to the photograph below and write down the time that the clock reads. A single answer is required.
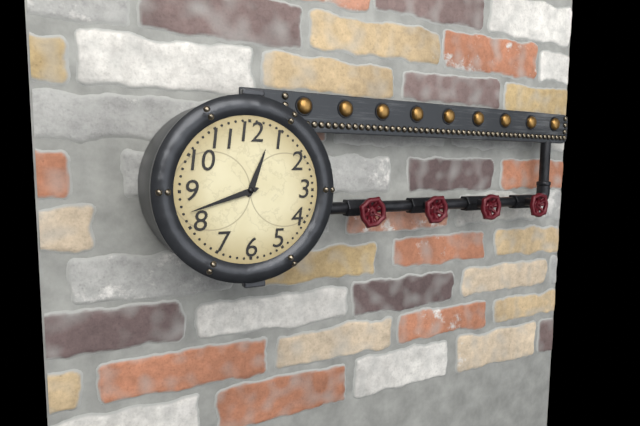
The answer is 12:42
